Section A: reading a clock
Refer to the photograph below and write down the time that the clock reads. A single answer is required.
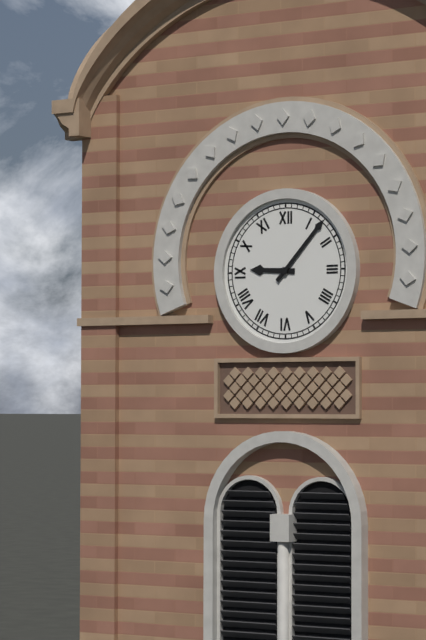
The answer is 9:07
